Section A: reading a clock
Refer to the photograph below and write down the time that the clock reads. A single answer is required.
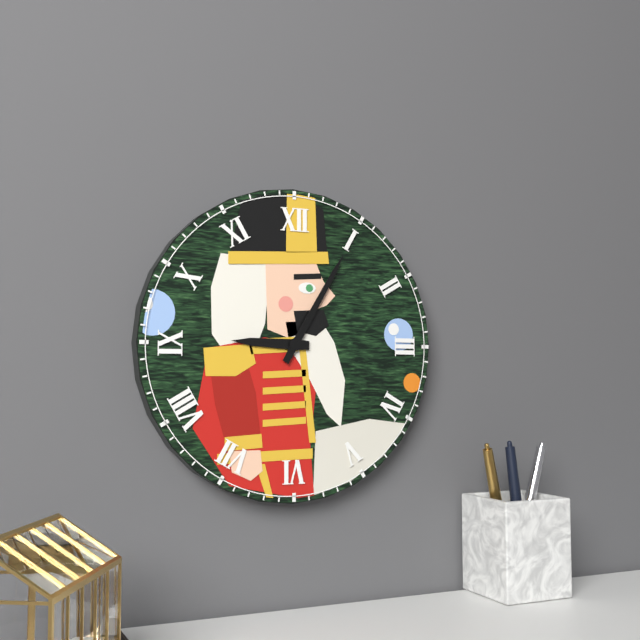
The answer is 9:05
